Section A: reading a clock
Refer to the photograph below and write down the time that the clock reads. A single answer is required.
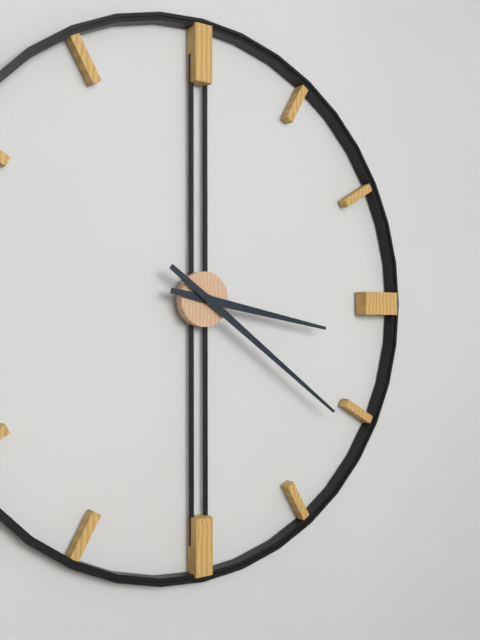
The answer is 3:21
